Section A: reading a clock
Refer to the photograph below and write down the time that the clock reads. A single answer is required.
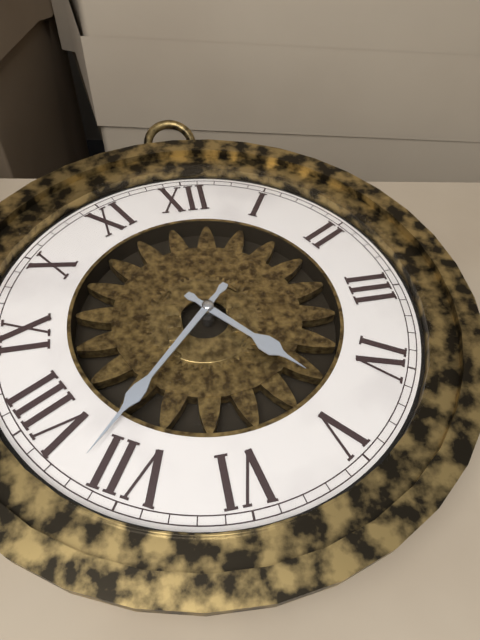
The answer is 4:37
